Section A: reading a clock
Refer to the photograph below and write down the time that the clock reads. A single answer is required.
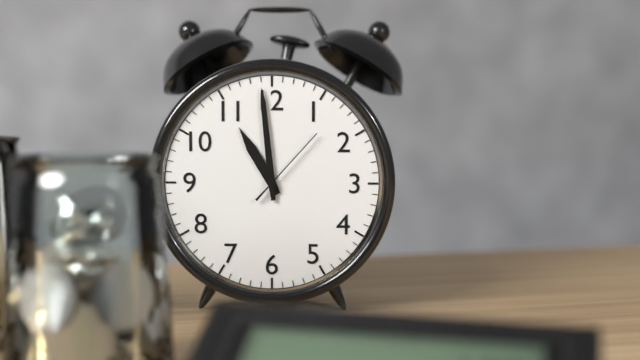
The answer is 10:59:07
